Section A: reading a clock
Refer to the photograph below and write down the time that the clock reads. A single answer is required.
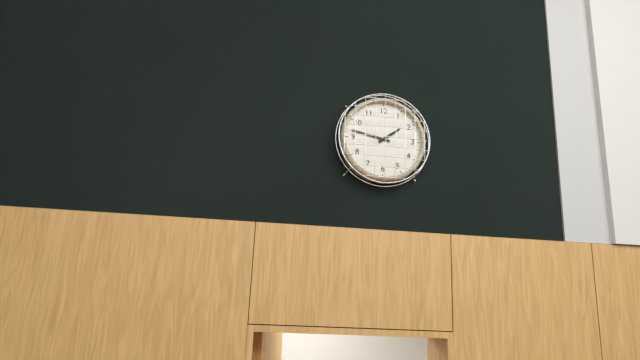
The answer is 1:47
